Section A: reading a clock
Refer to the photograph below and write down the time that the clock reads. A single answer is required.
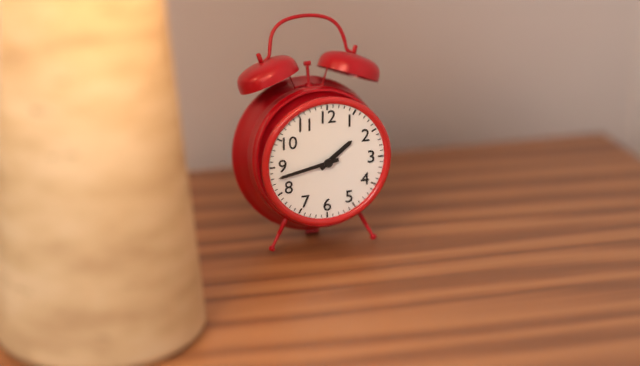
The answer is 1:43
